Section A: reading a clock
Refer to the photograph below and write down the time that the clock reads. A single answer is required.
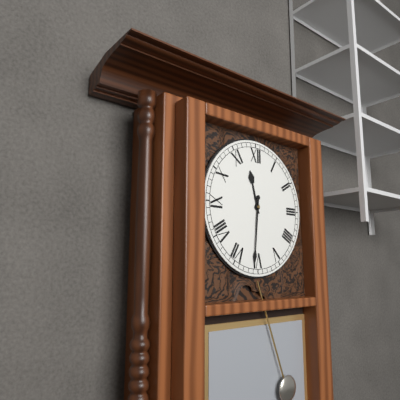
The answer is 11:31
